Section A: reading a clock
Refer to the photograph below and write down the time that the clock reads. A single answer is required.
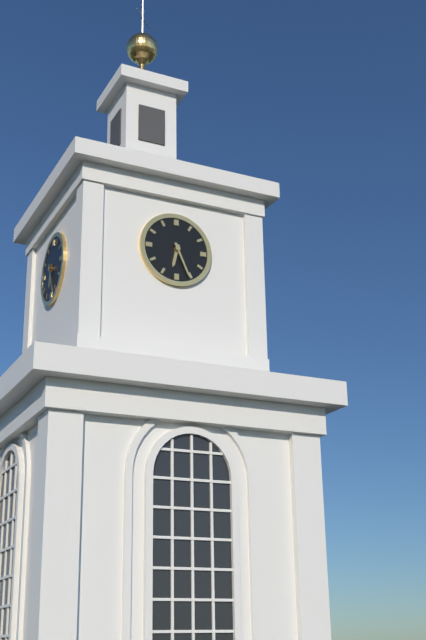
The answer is 6:26
